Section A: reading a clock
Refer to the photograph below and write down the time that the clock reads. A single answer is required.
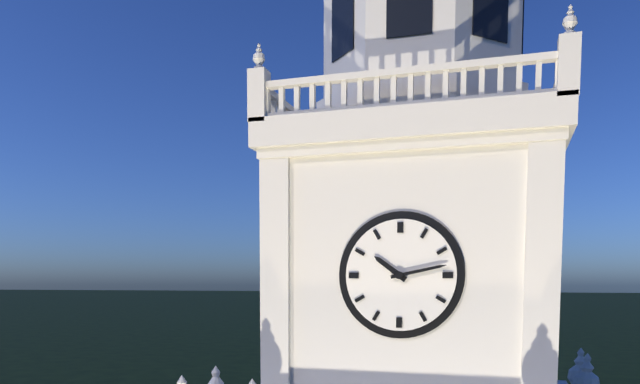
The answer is 10:13
